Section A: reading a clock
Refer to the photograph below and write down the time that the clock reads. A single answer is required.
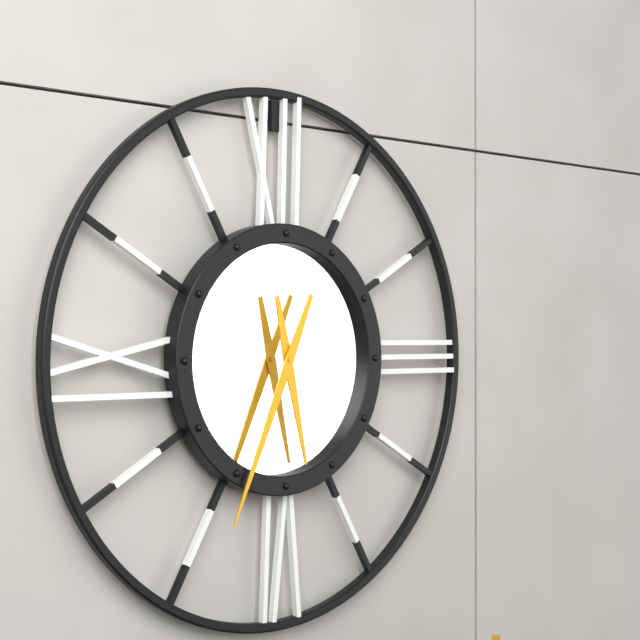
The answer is 5:34
